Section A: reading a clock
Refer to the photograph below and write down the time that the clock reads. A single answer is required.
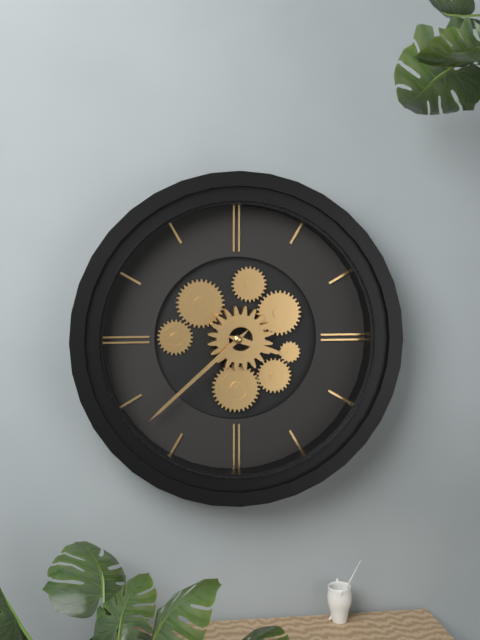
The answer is 3:38
